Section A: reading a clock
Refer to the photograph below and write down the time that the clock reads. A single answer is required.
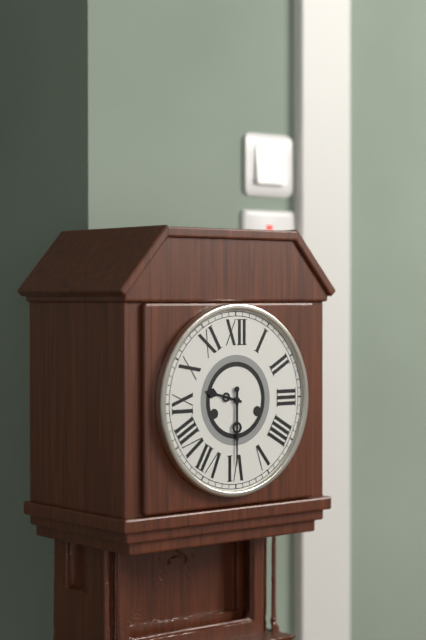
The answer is 9:30
